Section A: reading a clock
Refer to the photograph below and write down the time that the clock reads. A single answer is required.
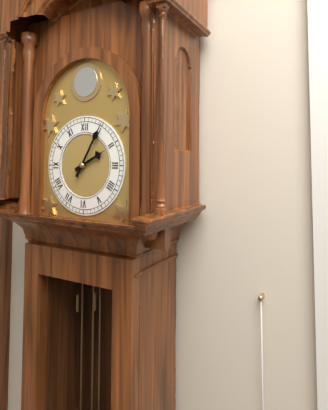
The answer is 2:05
